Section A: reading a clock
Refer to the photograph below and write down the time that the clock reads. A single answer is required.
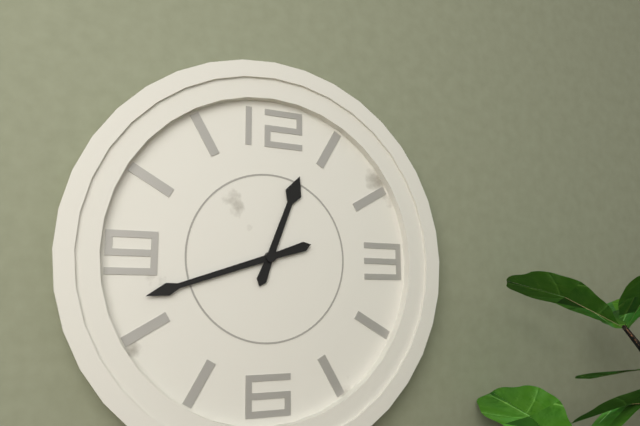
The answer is 12:42
